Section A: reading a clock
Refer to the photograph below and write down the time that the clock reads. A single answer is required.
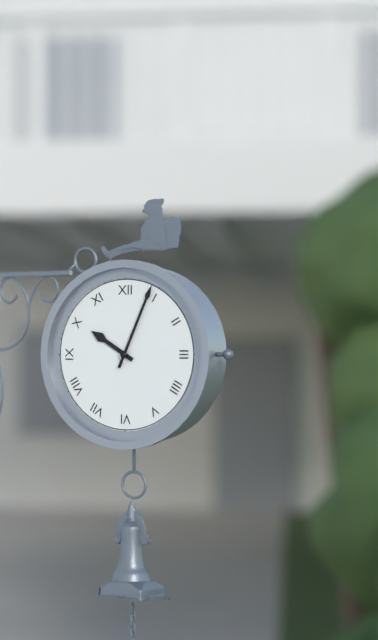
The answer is 10:04
